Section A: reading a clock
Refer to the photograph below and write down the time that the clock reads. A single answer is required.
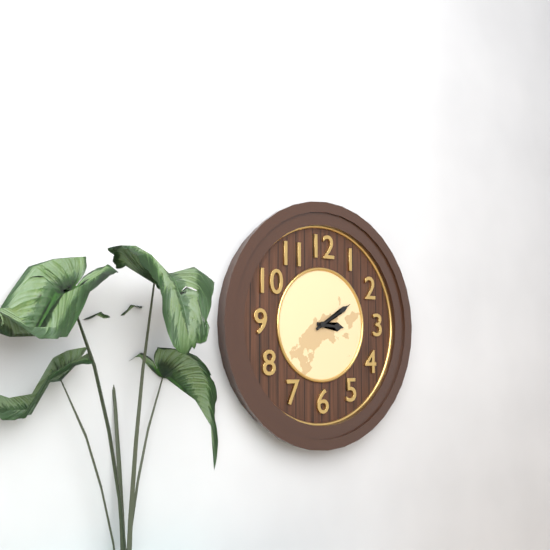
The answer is 3:10
